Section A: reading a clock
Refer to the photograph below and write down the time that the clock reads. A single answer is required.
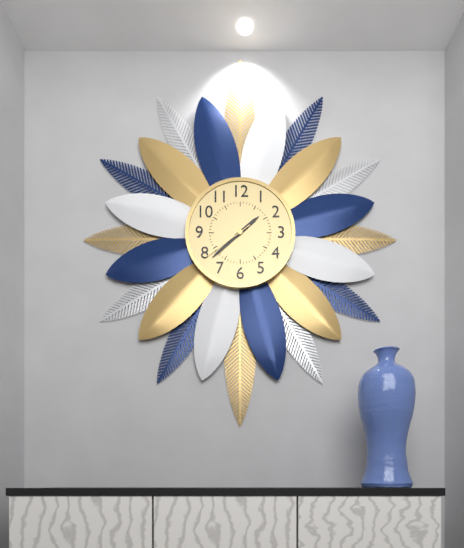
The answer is 1:38
